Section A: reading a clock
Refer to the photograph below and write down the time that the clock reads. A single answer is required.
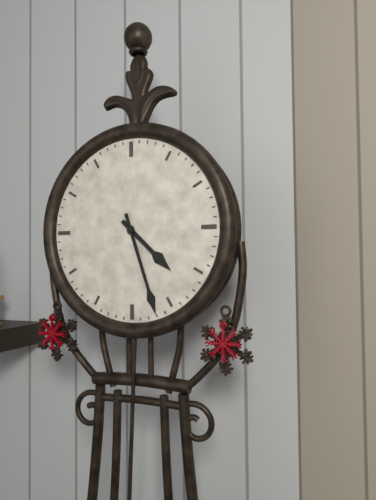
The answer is 4:27
